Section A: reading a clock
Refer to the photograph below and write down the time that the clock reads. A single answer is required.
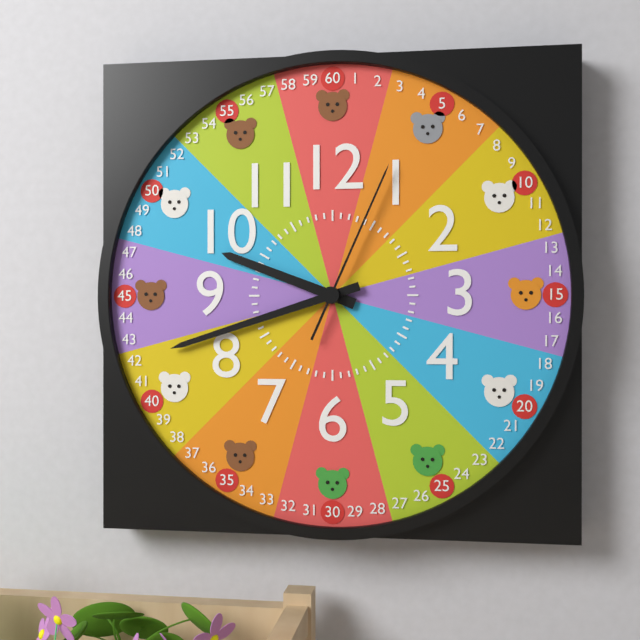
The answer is 9:42:04
